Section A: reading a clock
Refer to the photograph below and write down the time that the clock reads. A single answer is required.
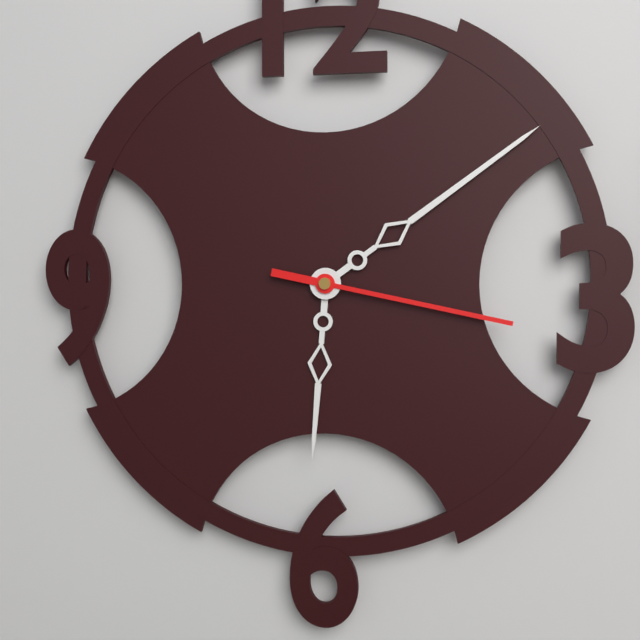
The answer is 6:09:17
